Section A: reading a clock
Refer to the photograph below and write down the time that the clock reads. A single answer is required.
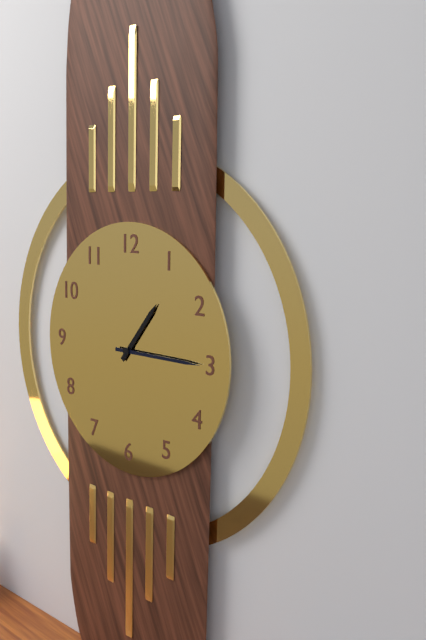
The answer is 1:15
